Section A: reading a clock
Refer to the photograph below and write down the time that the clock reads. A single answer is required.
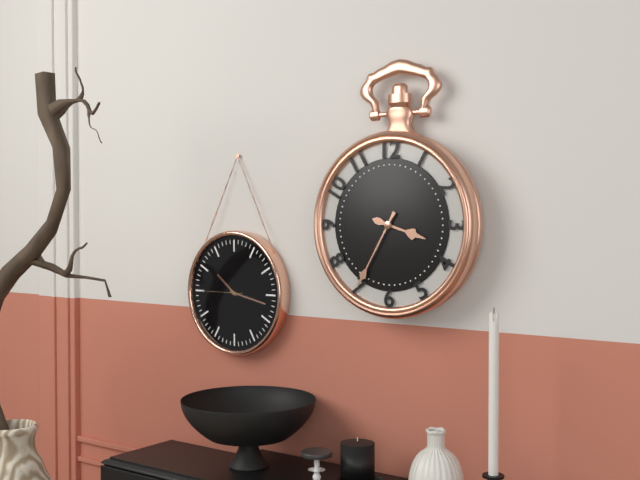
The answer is 3:35
